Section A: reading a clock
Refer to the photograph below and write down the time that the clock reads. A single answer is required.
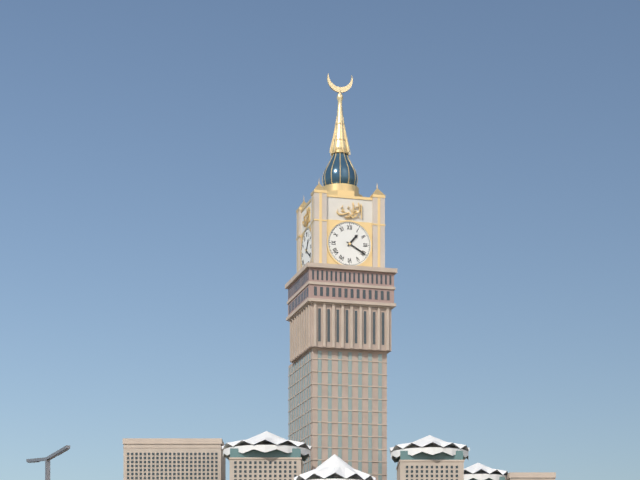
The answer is 1:20
